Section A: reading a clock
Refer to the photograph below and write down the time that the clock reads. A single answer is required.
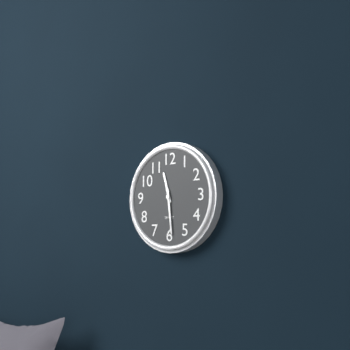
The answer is 11:29
